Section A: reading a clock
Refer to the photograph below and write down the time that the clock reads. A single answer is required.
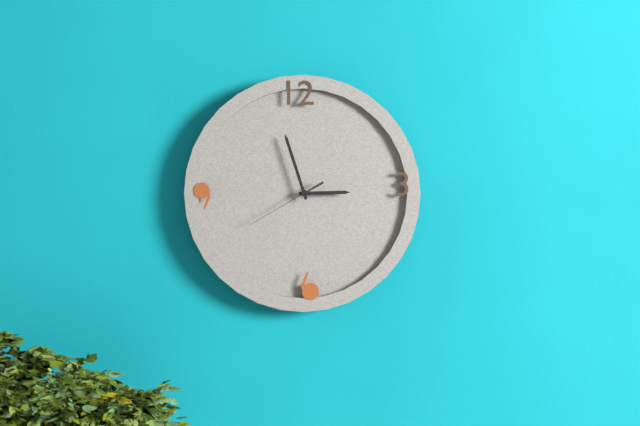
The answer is 2:57:40
